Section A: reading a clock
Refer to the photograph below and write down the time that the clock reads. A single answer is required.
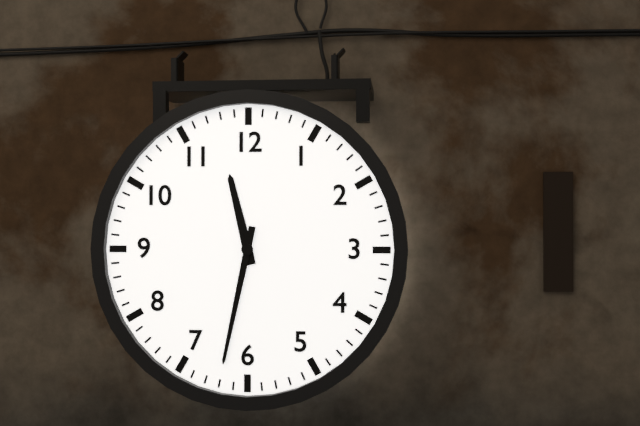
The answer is 11:32
